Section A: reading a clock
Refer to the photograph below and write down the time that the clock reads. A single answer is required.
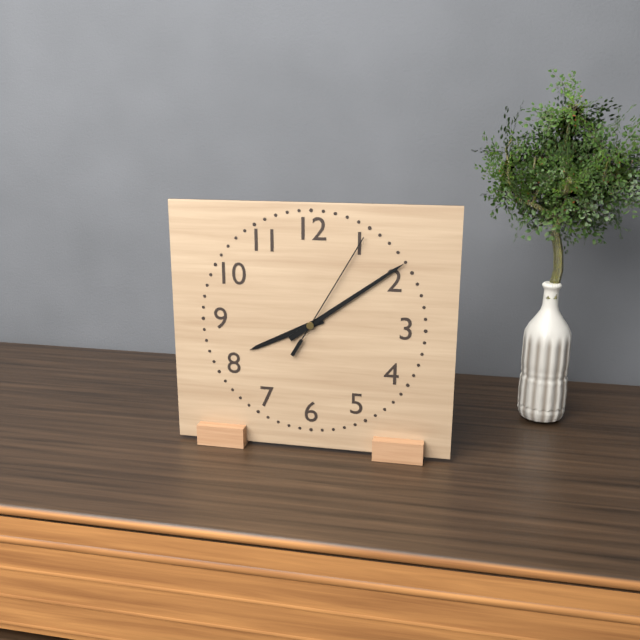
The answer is 8:09:05
